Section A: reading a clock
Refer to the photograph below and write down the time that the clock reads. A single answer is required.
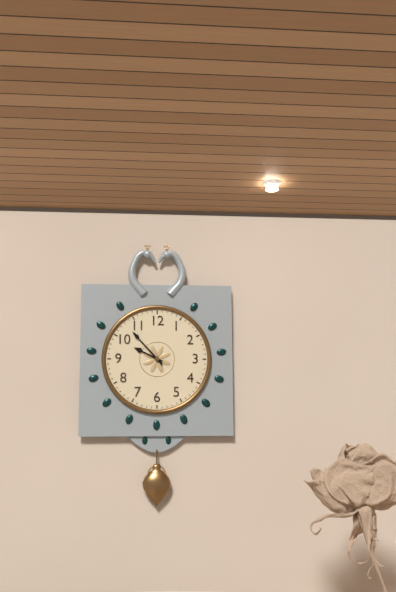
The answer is 9:53
